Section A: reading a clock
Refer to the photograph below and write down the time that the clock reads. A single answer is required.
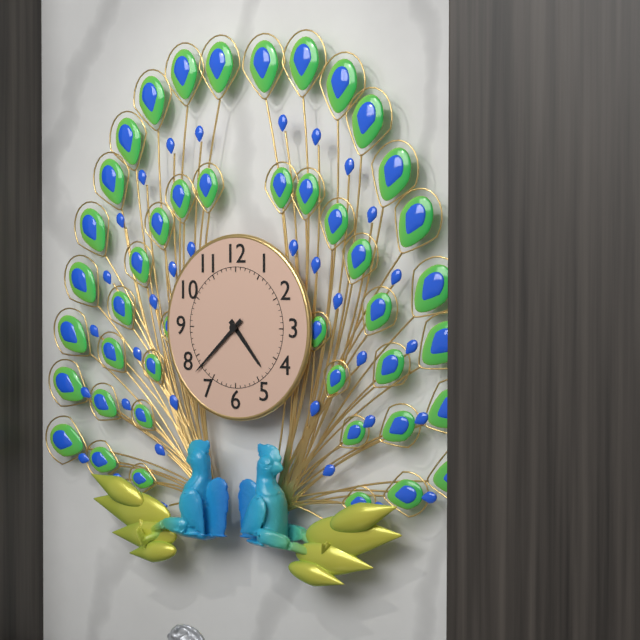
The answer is 4:38
